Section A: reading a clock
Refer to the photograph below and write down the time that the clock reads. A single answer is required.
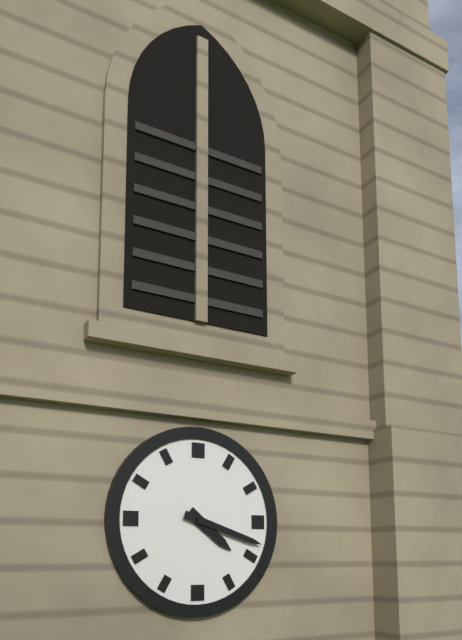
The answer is 4:18
